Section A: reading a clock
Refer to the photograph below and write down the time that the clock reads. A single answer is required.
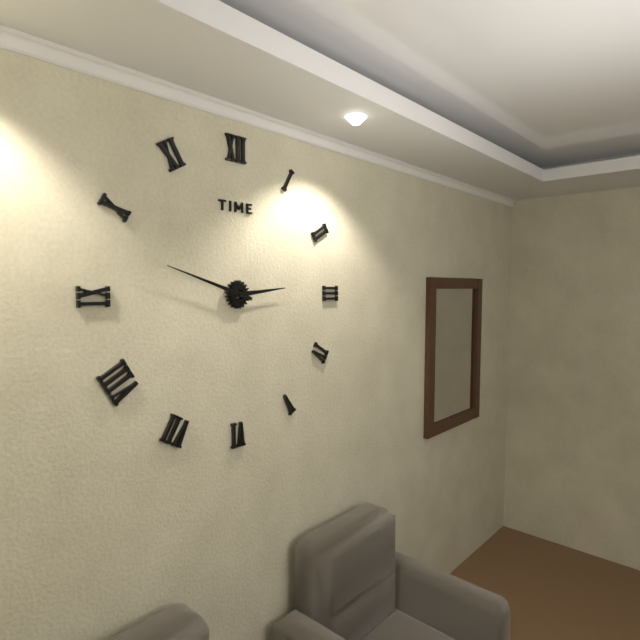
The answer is 2:48
